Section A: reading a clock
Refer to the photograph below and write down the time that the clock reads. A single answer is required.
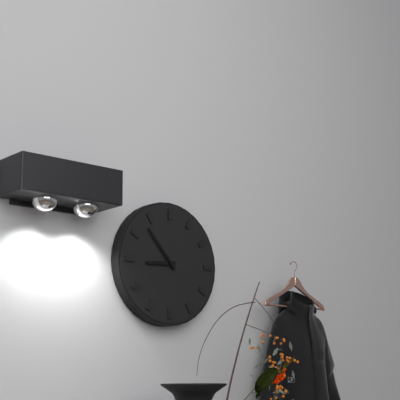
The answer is 8:53
